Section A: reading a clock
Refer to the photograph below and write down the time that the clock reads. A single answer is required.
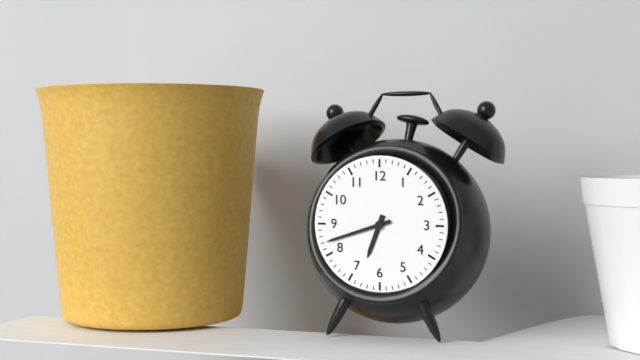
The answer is 6:42
